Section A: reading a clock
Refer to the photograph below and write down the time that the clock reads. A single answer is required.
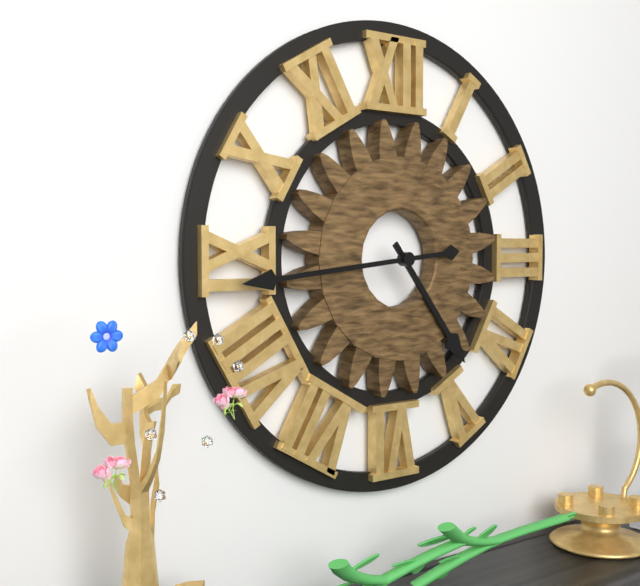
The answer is 4:44
